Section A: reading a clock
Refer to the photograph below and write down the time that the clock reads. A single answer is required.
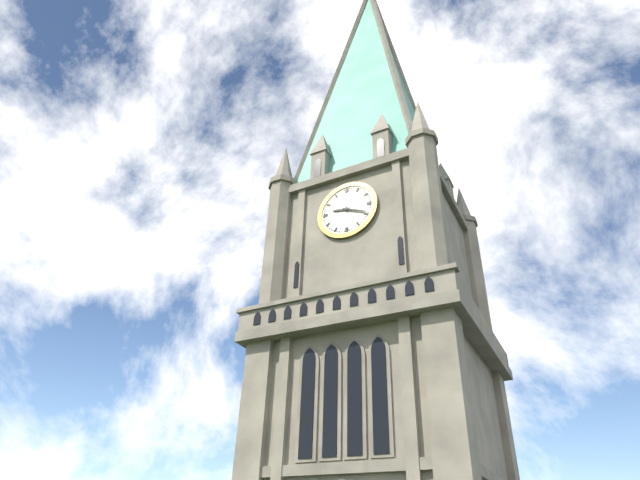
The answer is 9:19
